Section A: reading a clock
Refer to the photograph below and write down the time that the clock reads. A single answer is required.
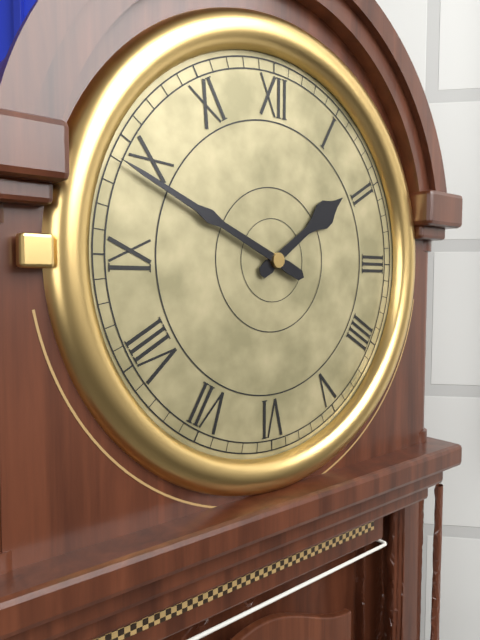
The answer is 1:49
